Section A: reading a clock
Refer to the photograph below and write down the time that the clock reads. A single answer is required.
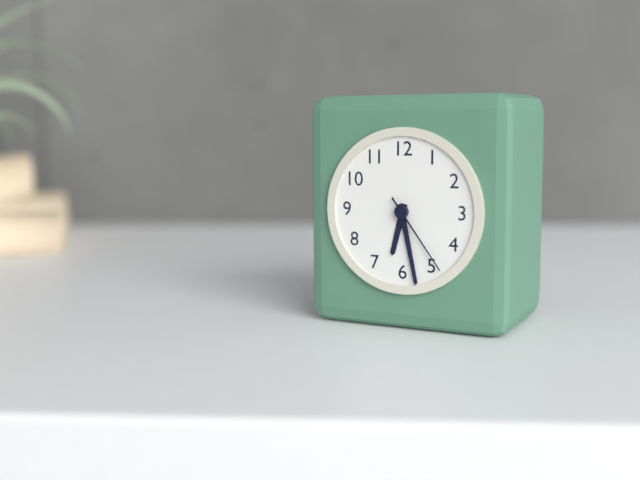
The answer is 6:28:24
